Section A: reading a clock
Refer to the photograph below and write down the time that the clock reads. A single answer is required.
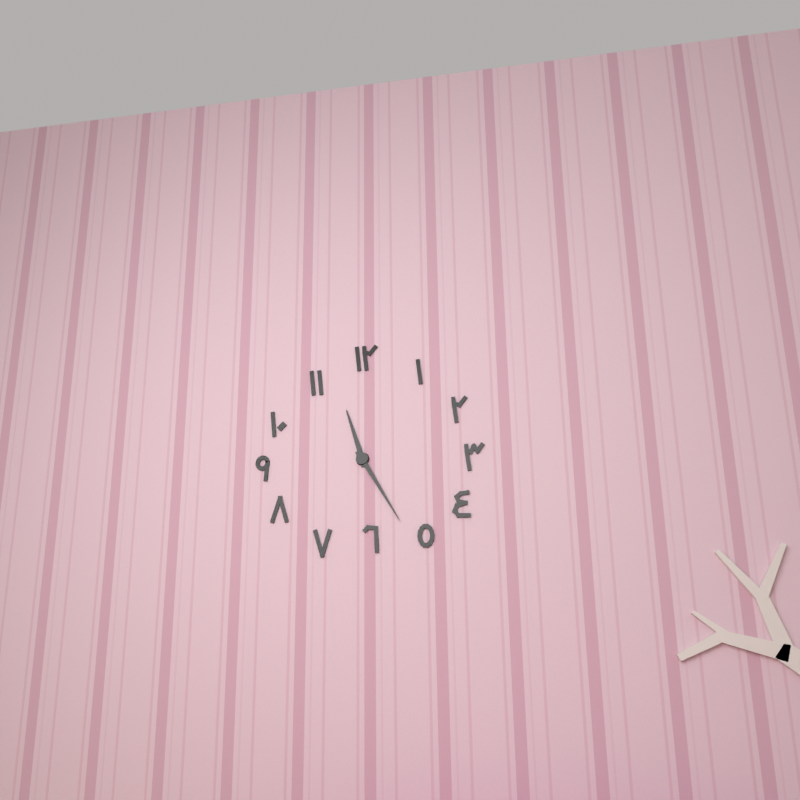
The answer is 11:25
